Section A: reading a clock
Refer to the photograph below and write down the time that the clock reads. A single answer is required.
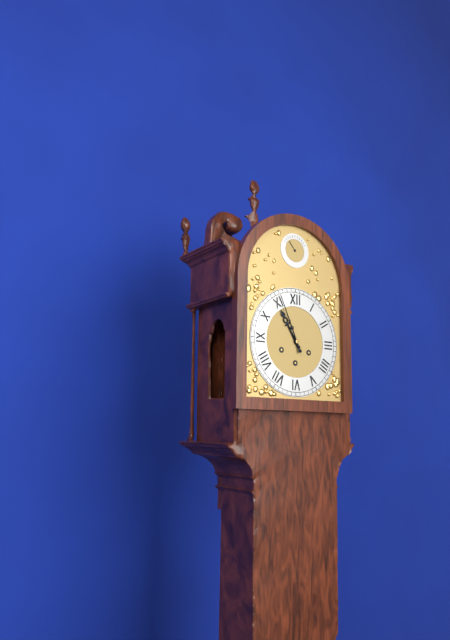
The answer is 10:56
